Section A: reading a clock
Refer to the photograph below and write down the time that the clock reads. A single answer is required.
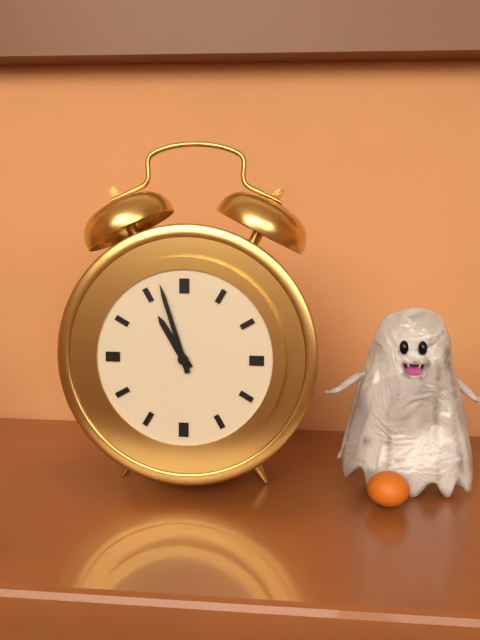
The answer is 10:57
